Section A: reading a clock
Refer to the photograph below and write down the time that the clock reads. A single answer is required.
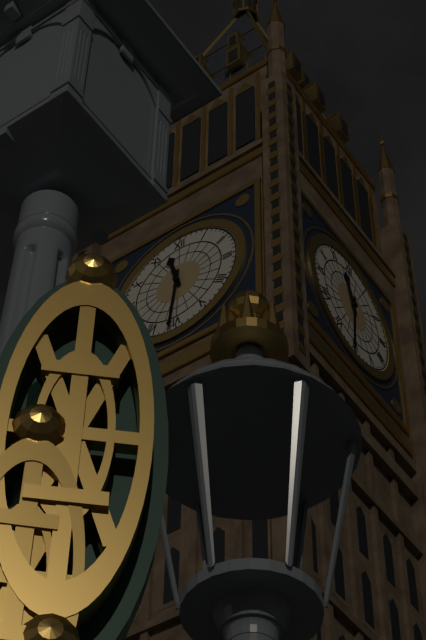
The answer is 11:31
